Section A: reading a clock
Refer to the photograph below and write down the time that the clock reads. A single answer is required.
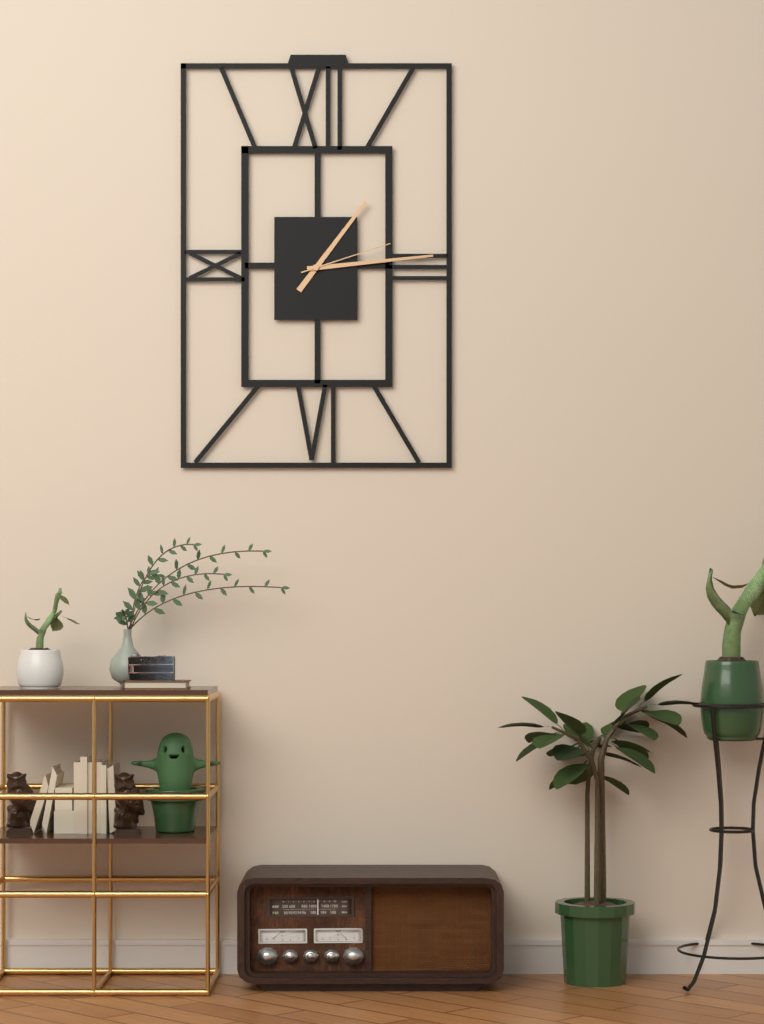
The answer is 1:14:12
